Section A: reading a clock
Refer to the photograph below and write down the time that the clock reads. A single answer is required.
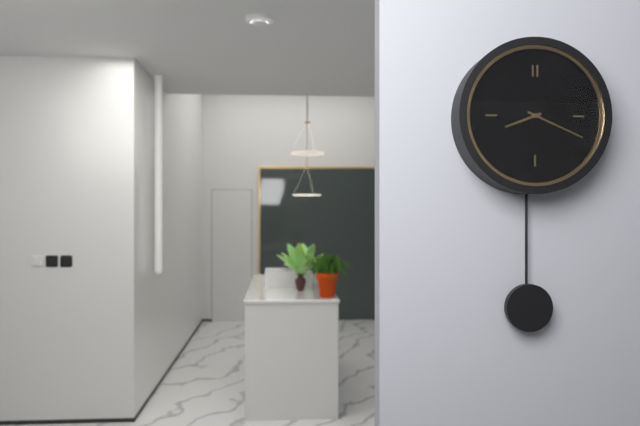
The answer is 8:19
